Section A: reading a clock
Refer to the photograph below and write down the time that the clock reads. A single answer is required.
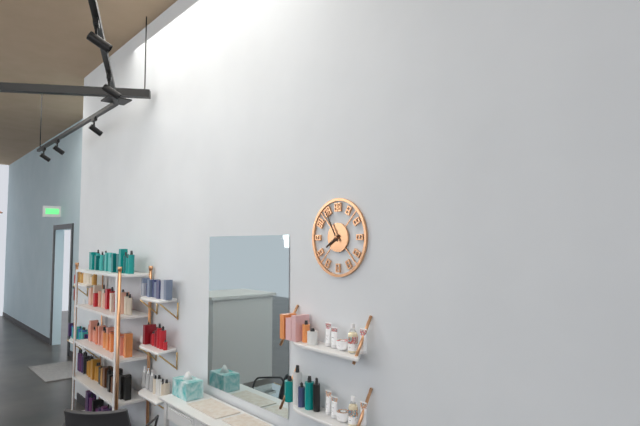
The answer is 7:55
